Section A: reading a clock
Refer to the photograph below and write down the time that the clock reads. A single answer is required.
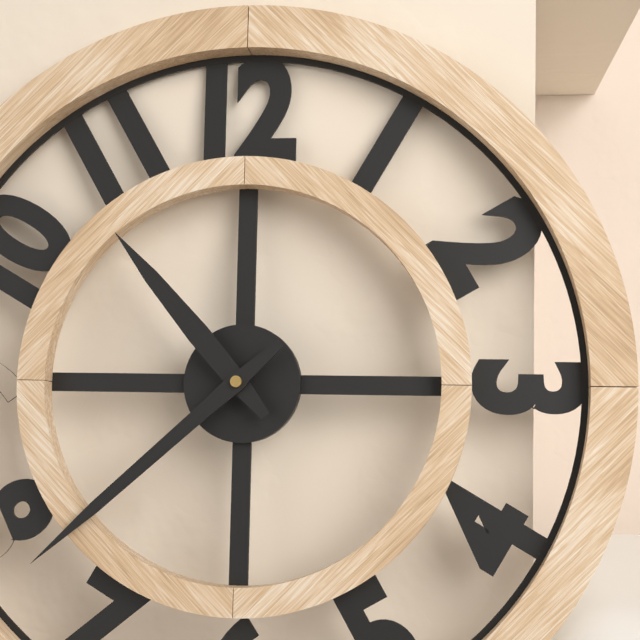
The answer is 10:38
